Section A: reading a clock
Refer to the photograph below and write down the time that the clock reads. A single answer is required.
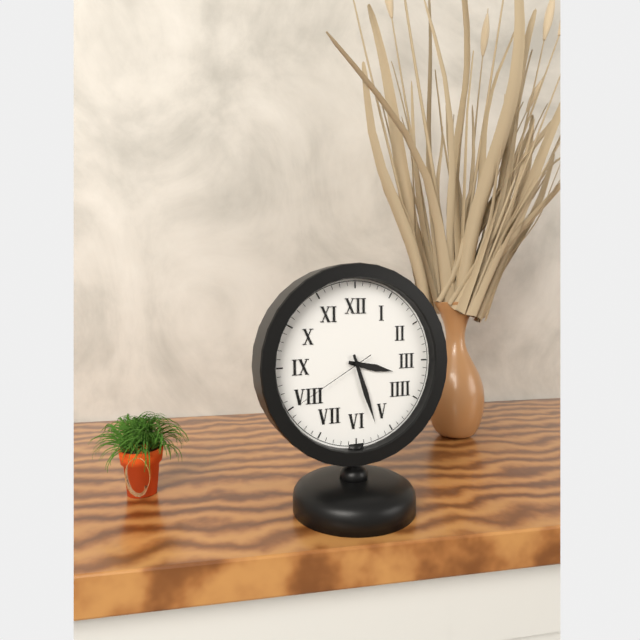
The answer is 3:27:40
